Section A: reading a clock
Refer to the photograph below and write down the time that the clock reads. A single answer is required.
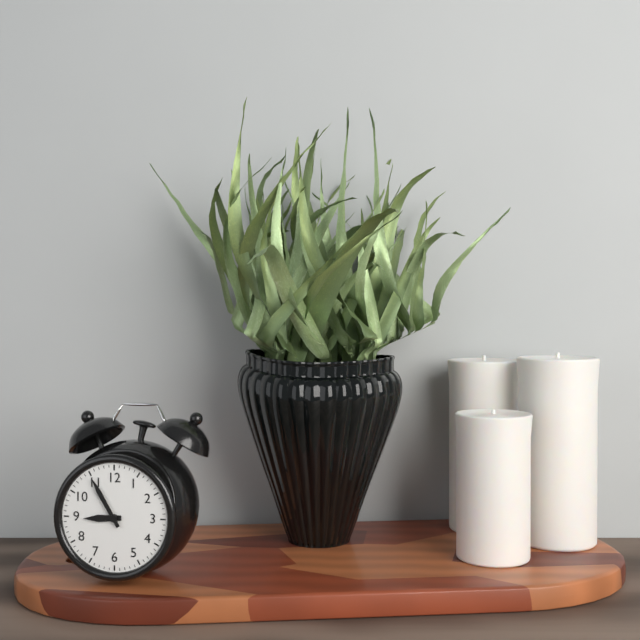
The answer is 8:55
